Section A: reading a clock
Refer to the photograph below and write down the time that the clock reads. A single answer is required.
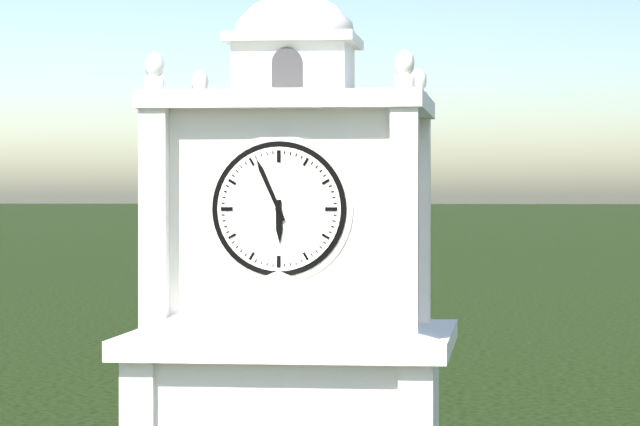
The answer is 5:56
